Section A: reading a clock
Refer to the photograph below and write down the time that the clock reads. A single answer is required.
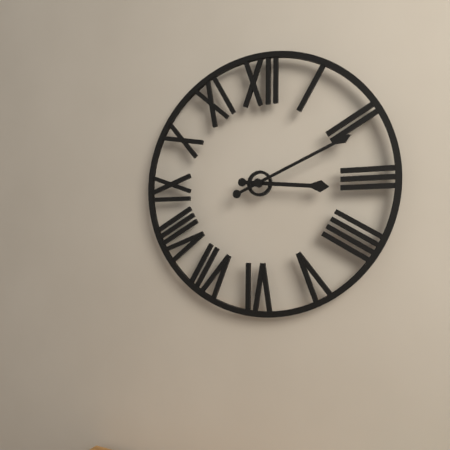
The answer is 3:11
